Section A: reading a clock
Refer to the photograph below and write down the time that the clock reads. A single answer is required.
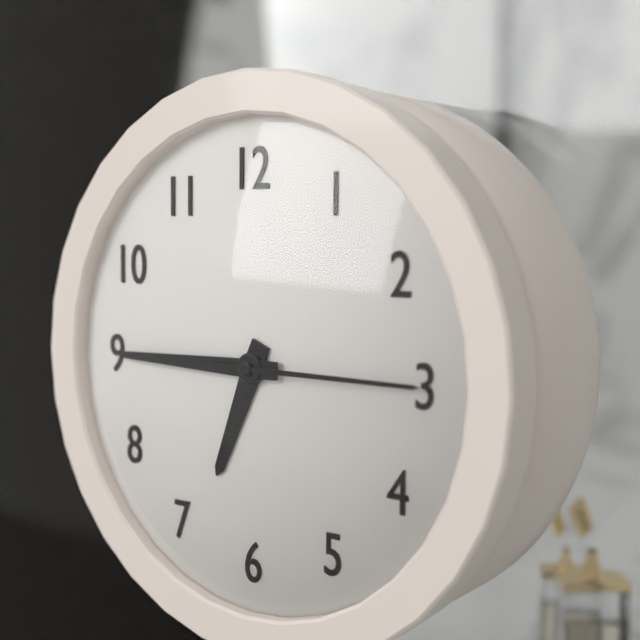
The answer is 6:45:15
